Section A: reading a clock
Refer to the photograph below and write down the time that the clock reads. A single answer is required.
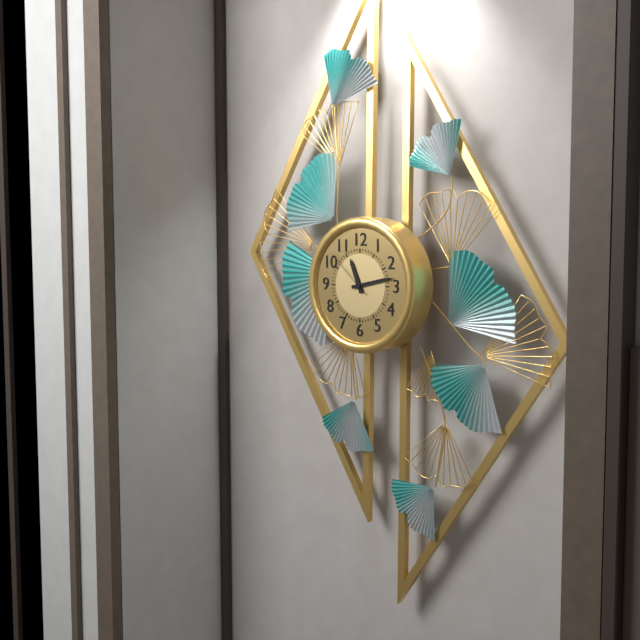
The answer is 11:13:52
